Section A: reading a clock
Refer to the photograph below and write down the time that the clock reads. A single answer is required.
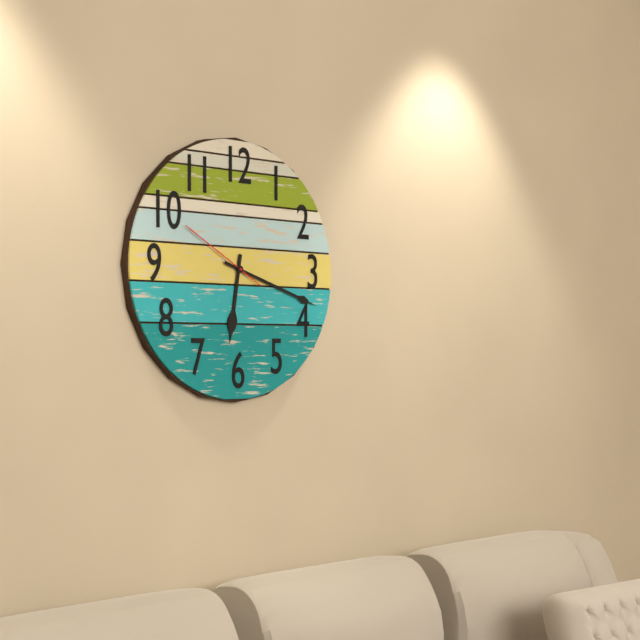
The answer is 6:18:50
